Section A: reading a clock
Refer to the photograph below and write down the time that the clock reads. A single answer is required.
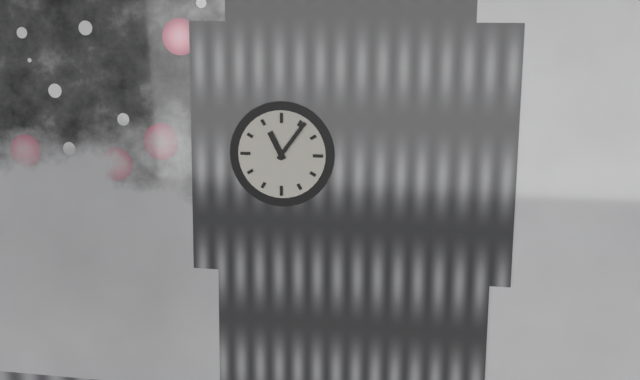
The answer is 11:06
